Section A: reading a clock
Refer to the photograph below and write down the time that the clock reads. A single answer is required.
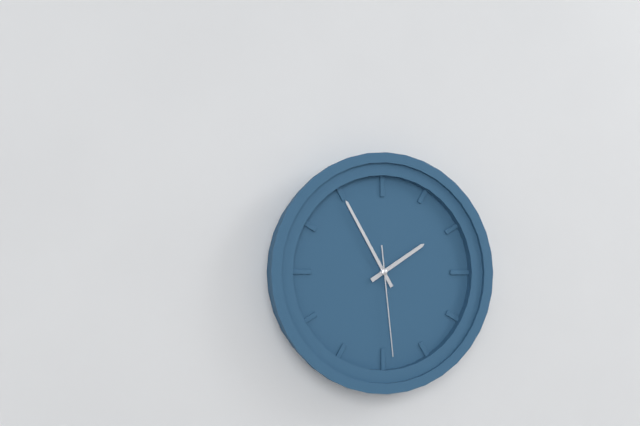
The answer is 1:55:29
